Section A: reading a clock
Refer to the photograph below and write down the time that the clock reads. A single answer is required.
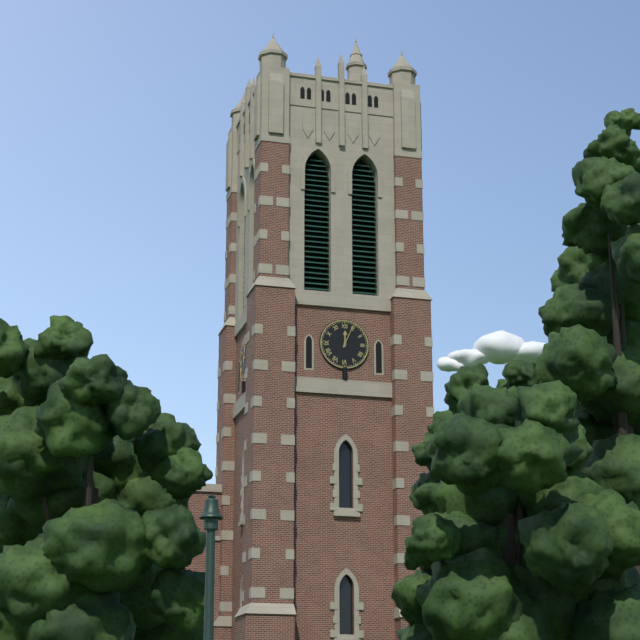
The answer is 12:04
